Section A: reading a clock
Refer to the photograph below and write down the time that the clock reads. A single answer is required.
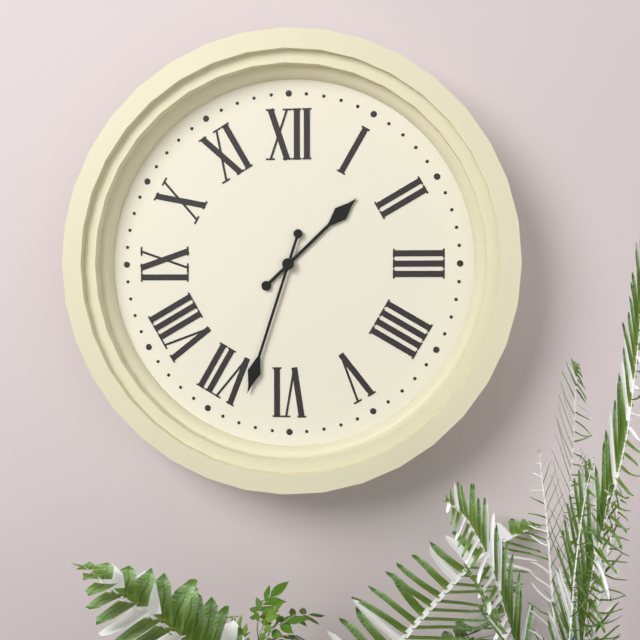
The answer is 1:33
